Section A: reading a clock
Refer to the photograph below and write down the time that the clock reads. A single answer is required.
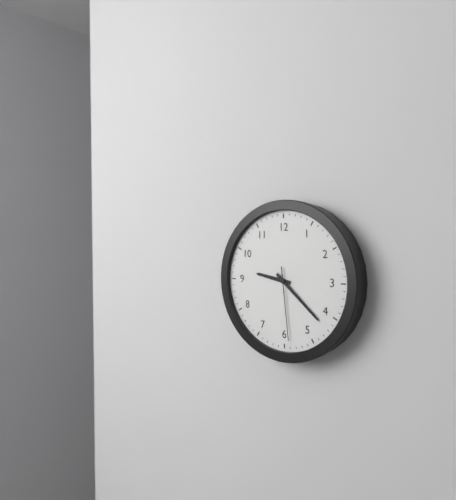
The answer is 9:22:29
